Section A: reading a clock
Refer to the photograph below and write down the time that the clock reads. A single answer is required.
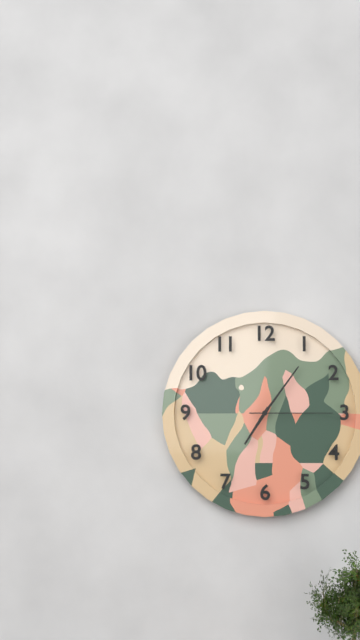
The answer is 7:06:15
